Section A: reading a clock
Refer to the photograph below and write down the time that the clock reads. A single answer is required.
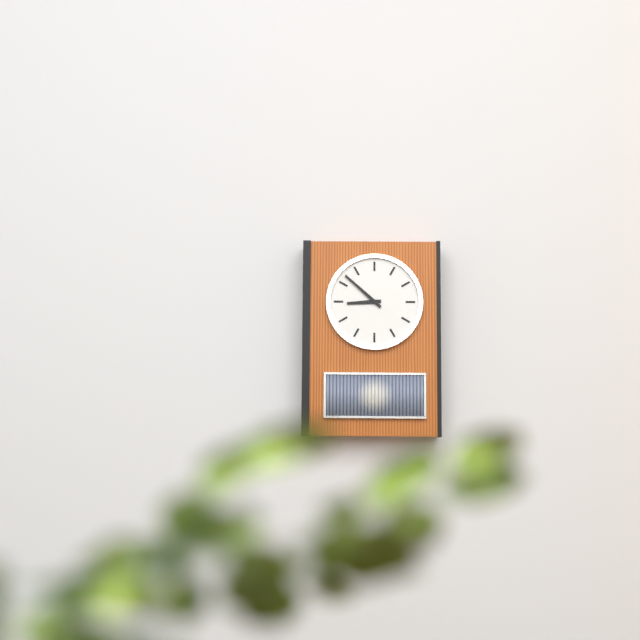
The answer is 8:52
